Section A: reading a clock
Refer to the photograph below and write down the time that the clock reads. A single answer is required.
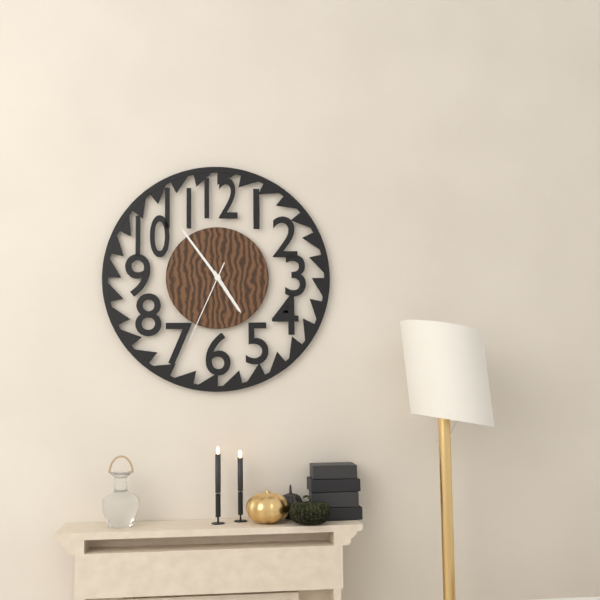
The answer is 4:54:34
